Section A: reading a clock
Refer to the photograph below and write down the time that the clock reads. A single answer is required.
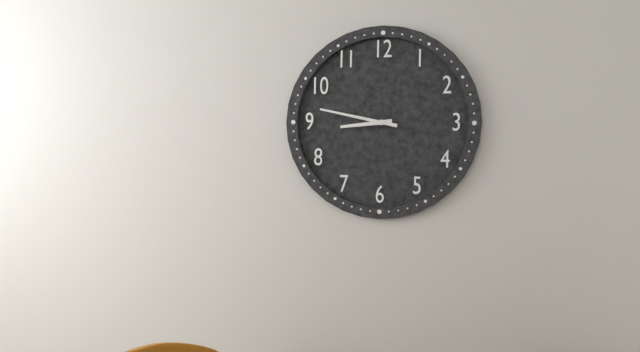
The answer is 8:47
